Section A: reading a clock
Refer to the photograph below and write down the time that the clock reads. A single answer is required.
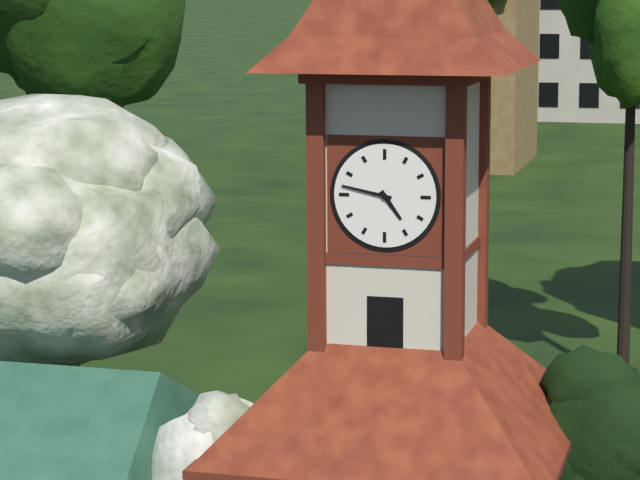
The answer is 4:47
